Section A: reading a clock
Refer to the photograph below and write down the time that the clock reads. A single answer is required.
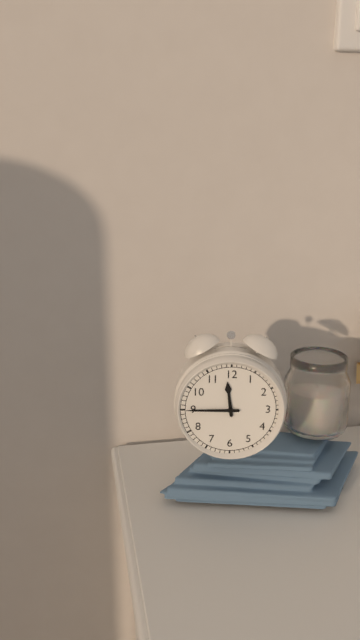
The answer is 11:45
